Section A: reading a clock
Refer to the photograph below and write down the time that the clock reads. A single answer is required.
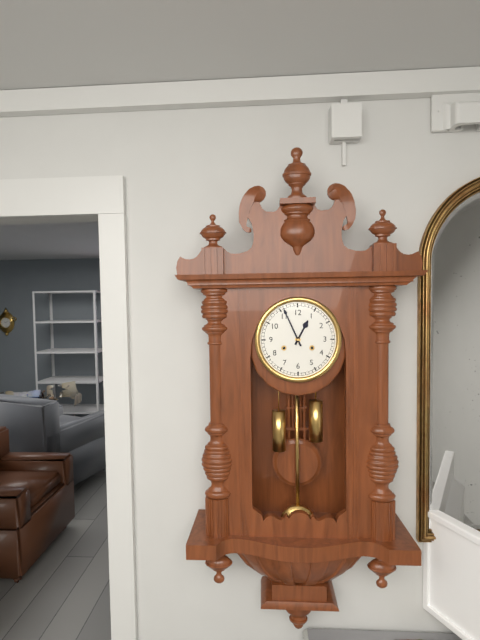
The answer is 12:56
